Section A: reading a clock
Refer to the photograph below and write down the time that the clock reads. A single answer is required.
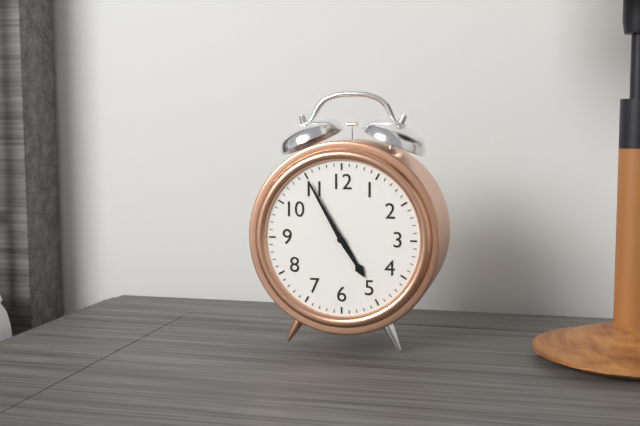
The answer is 4:55
